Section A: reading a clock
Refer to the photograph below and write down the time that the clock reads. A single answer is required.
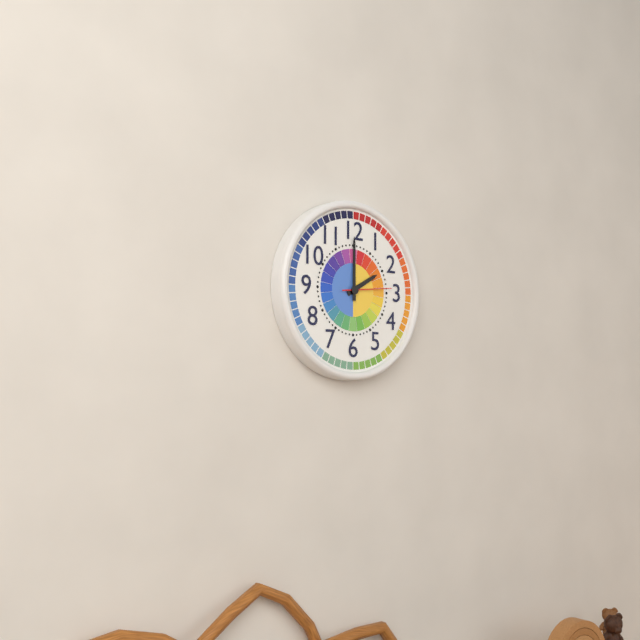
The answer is 2:00
